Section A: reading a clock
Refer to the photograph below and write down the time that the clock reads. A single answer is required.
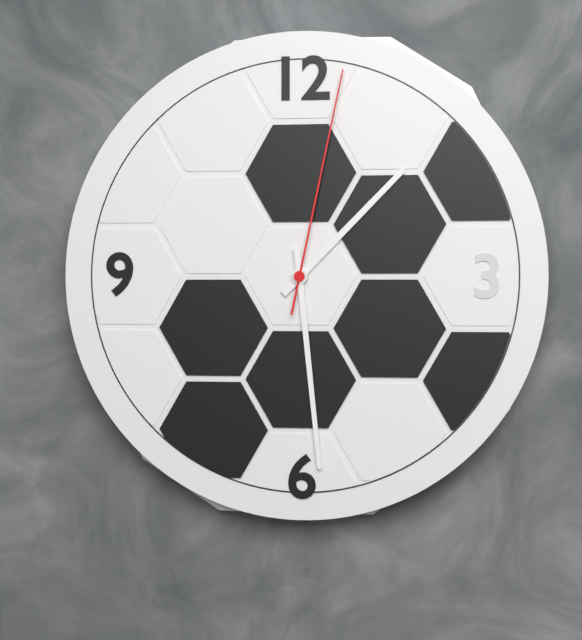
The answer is 1:29:02
